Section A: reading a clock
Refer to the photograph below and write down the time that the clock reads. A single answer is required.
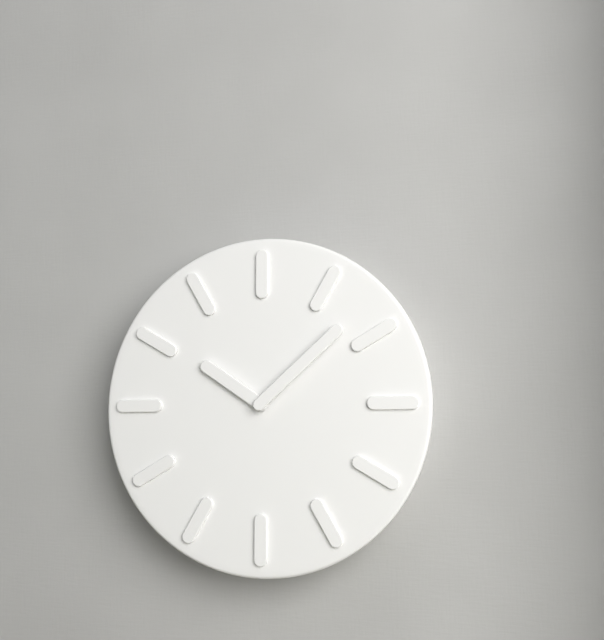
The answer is 10:08
